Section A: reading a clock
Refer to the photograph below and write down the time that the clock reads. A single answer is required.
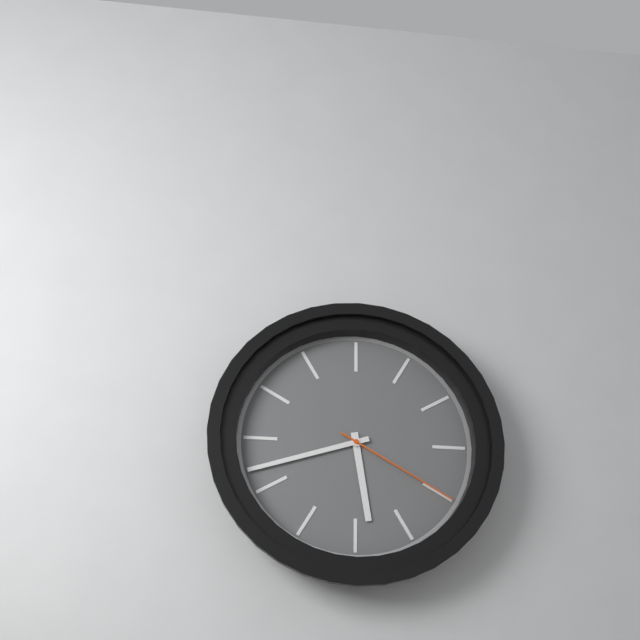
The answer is 5:42:20
